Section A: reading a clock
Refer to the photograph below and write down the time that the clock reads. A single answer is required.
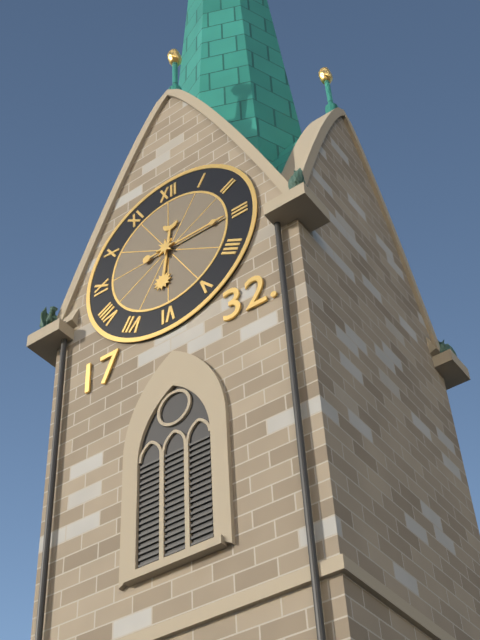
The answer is 6:15
